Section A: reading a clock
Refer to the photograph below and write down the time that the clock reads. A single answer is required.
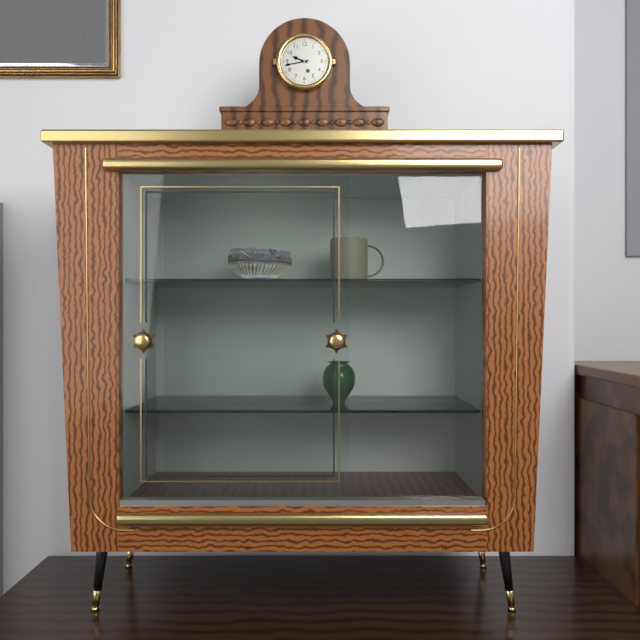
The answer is 9:43
